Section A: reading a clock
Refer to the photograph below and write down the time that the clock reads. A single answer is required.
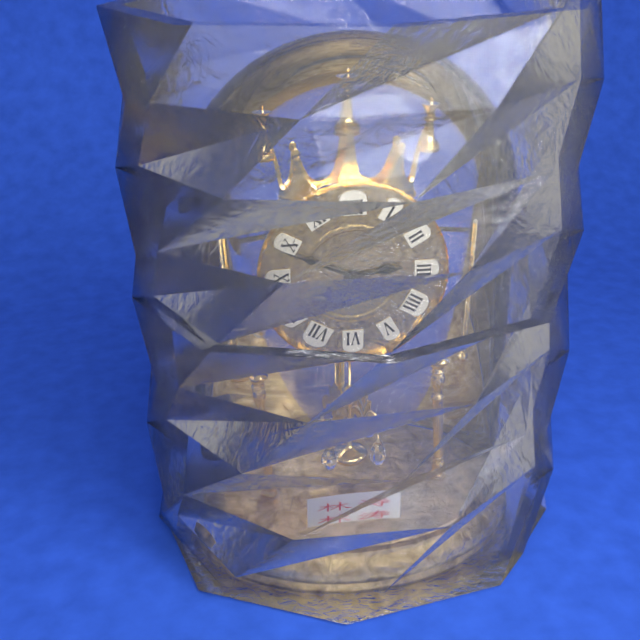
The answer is 2:49
